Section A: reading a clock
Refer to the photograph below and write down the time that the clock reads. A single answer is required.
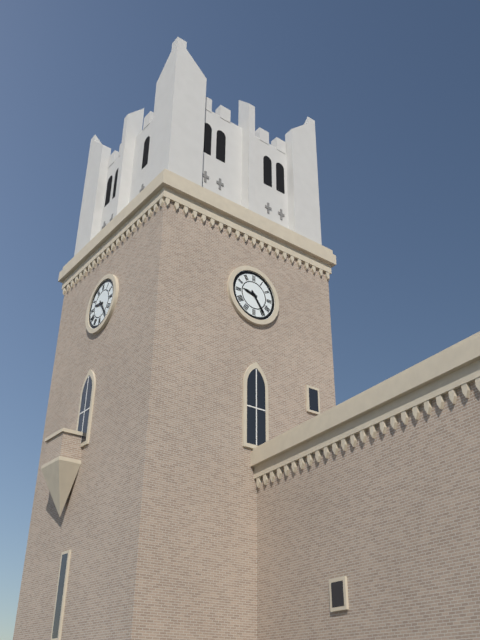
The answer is 9:24
